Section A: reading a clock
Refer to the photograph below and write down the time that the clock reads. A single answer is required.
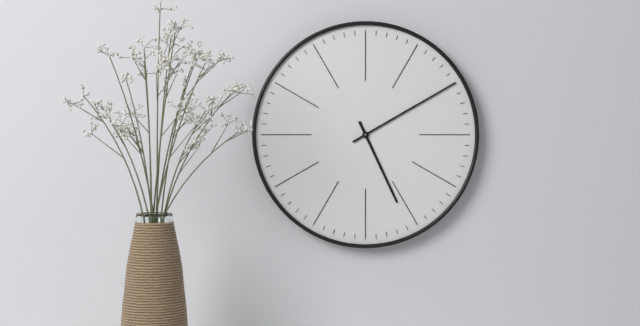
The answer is 5:10
